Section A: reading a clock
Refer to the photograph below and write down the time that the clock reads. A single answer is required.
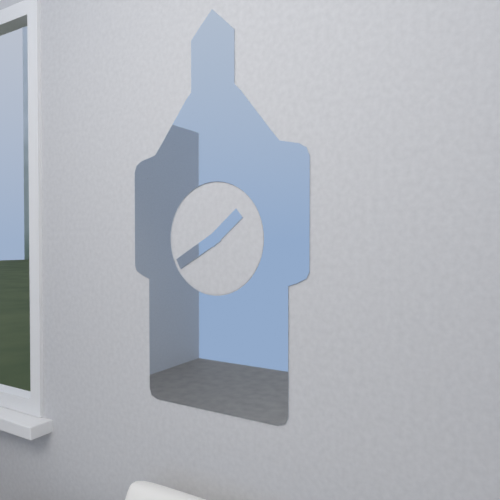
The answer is 1:40
